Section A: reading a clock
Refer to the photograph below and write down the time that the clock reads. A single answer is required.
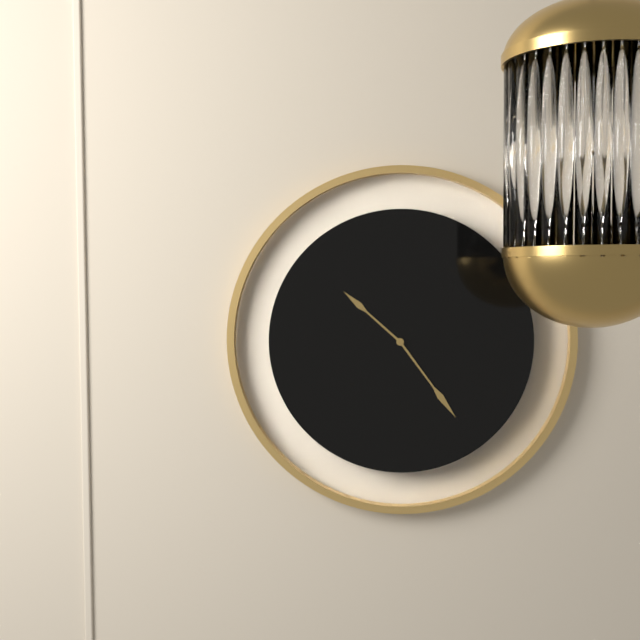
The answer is 10:24
